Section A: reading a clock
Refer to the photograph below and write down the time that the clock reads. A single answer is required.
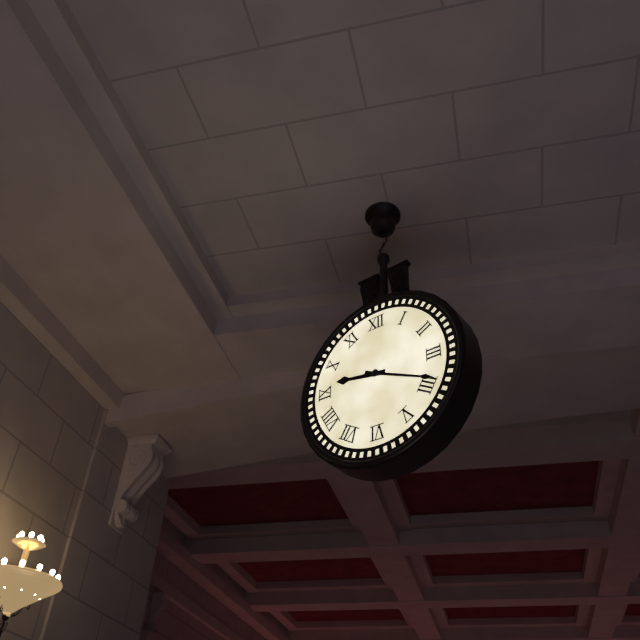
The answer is 9:19
